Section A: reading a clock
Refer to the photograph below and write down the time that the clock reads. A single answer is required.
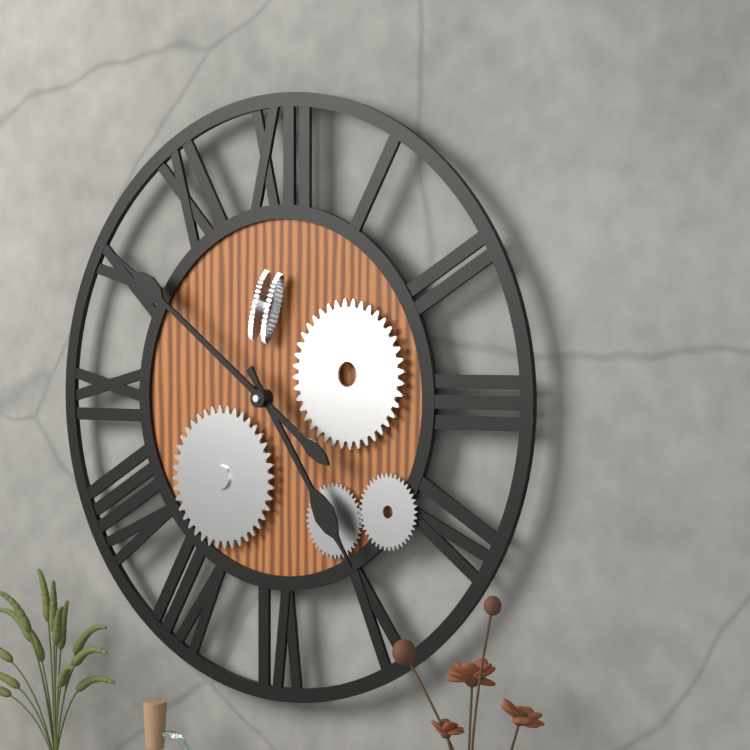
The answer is 4:51
